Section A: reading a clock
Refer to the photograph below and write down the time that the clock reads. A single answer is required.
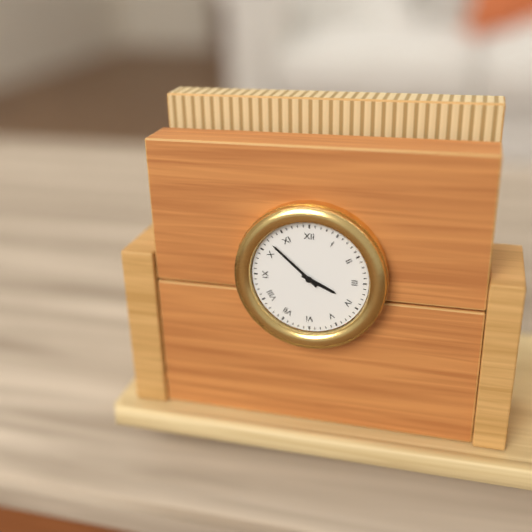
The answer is 3:52
